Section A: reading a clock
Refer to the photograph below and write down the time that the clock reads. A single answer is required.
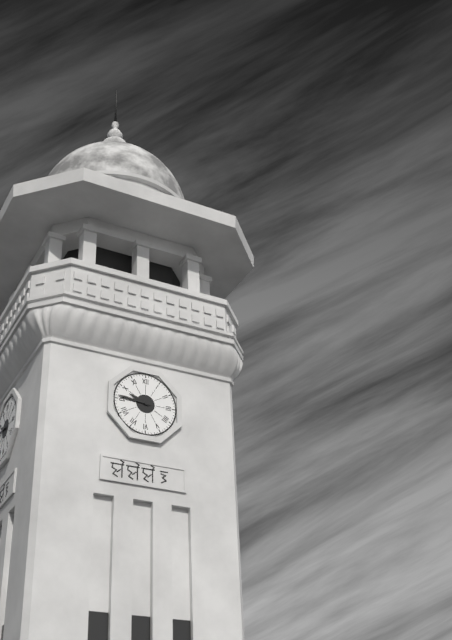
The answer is 9:46
